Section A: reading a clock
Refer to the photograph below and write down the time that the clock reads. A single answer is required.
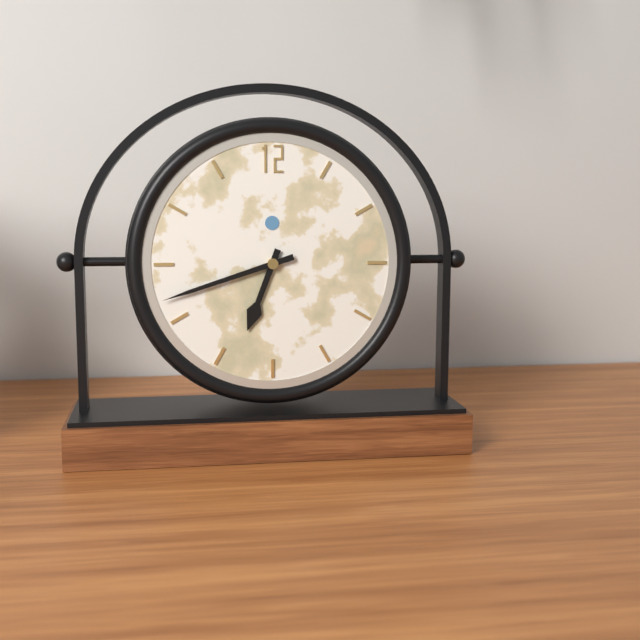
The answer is 6:42
